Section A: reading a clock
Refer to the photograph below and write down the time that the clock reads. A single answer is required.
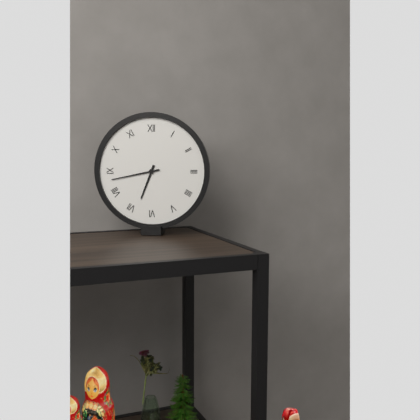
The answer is 6:43
